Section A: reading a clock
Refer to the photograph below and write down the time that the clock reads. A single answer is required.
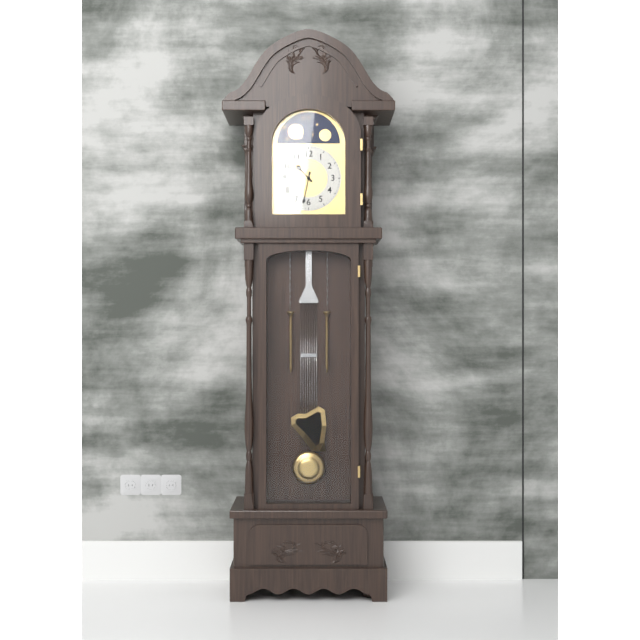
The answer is 10:32
